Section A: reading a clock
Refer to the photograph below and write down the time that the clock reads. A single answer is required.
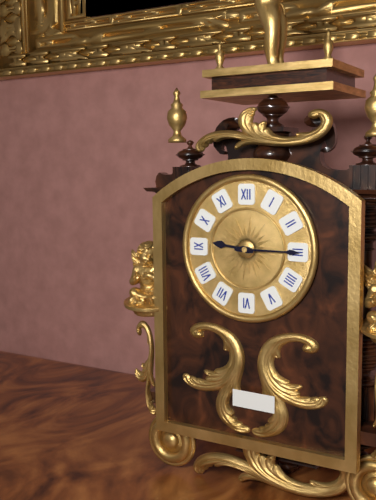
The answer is 9:15
